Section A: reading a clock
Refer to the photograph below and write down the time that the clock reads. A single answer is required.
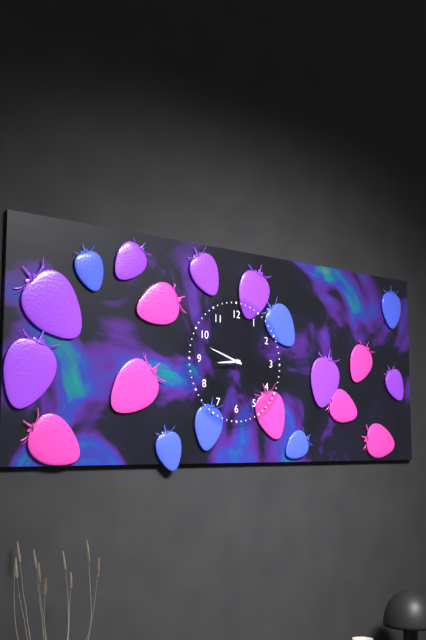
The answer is 8:48
